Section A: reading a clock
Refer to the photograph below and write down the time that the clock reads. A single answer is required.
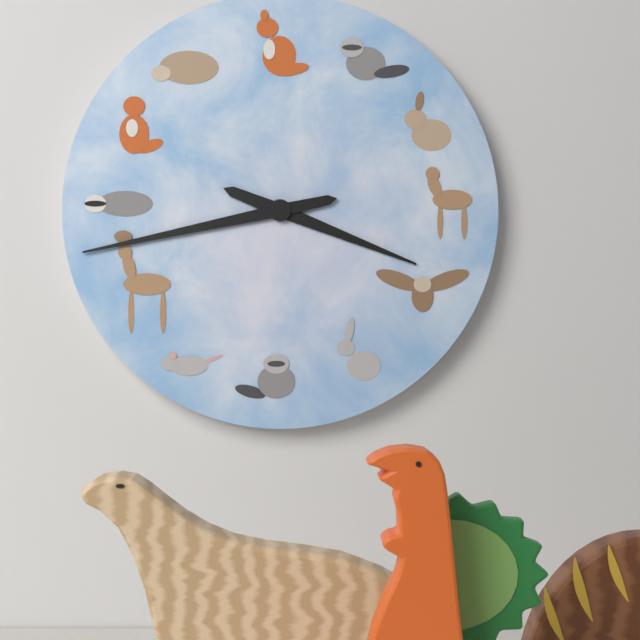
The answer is 3:43
